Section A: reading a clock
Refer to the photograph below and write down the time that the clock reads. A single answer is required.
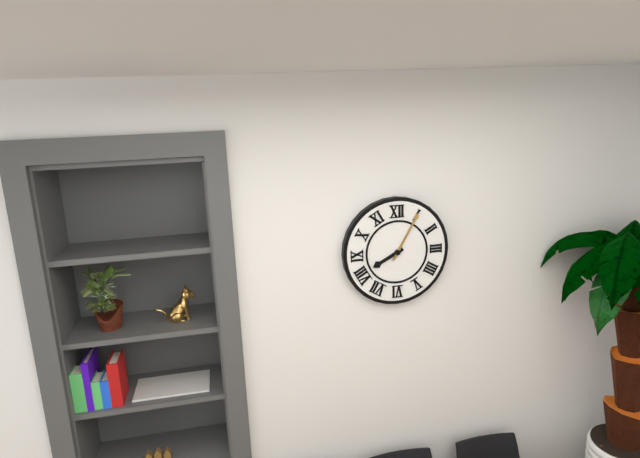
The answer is 8:05
